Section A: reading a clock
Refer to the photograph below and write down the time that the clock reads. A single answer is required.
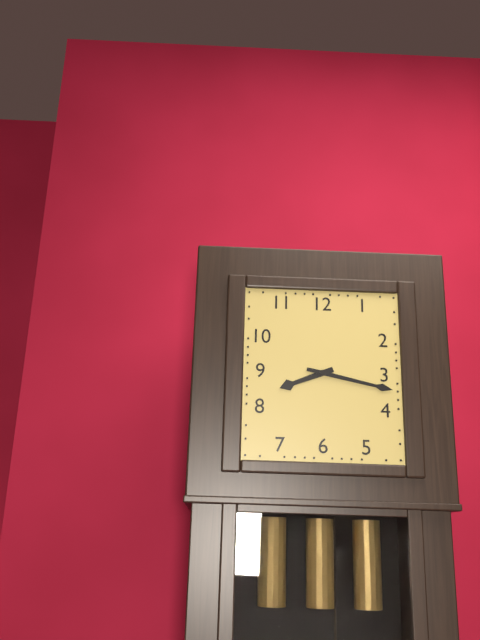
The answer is 8:17
